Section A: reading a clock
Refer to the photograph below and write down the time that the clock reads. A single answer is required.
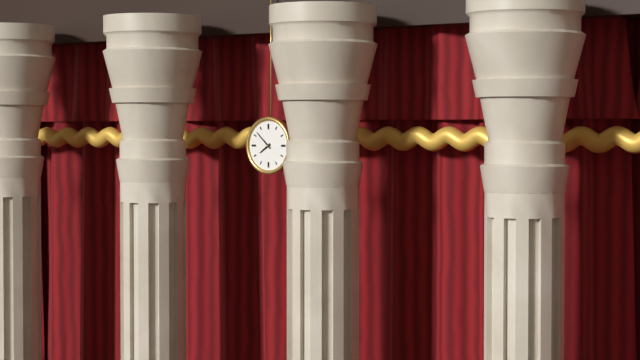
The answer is 7:52
